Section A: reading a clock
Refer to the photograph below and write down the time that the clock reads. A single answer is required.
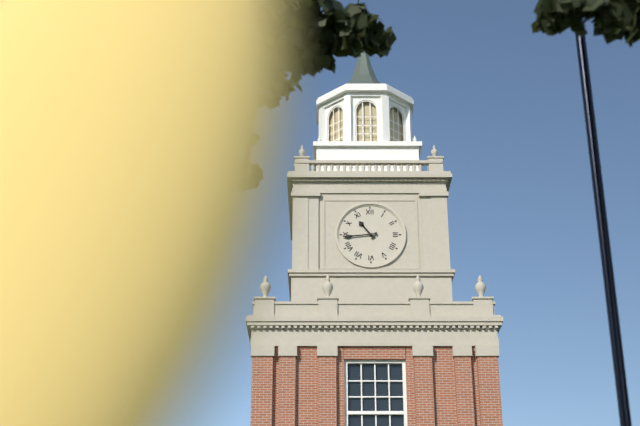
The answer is 10:44
